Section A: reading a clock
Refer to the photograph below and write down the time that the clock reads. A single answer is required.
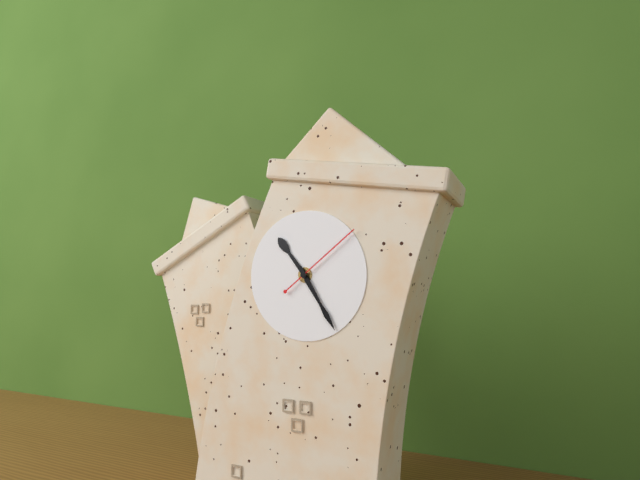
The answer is 10:23:07
